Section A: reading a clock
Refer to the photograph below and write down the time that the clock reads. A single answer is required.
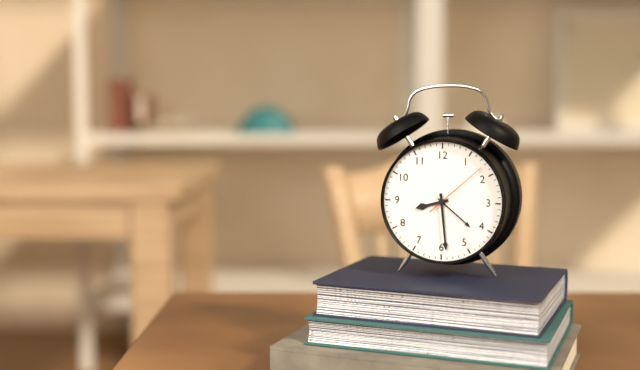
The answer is 8:29:08
